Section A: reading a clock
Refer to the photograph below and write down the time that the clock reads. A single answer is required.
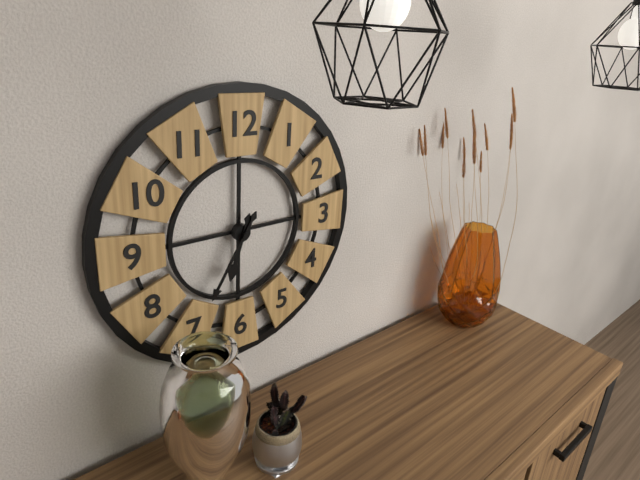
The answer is 6:35
